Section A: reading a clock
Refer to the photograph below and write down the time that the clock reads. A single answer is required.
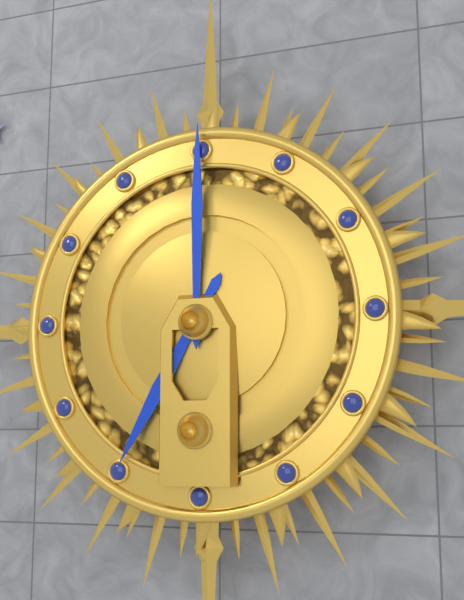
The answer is 7:00
